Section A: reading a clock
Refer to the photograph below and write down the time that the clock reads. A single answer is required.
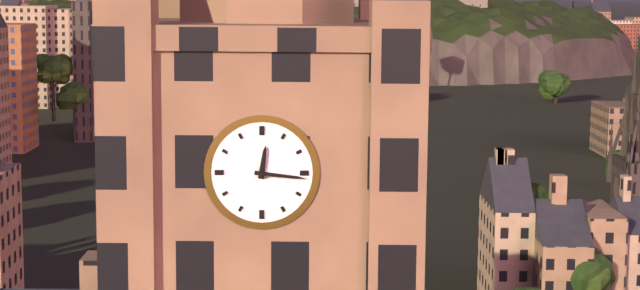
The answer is 12:16
